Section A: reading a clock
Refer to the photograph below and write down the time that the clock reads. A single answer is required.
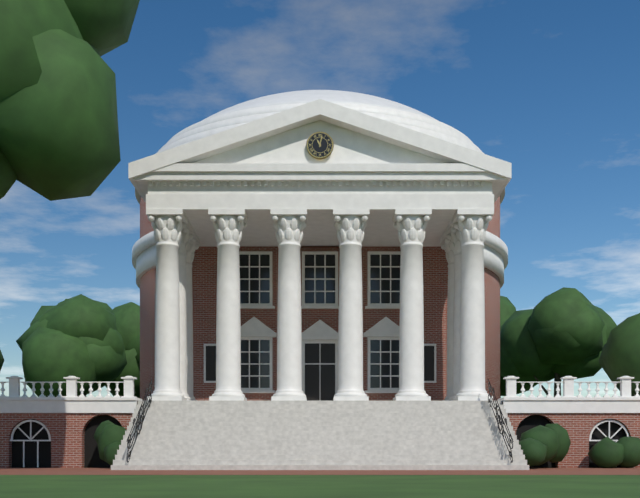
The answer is 11:02
